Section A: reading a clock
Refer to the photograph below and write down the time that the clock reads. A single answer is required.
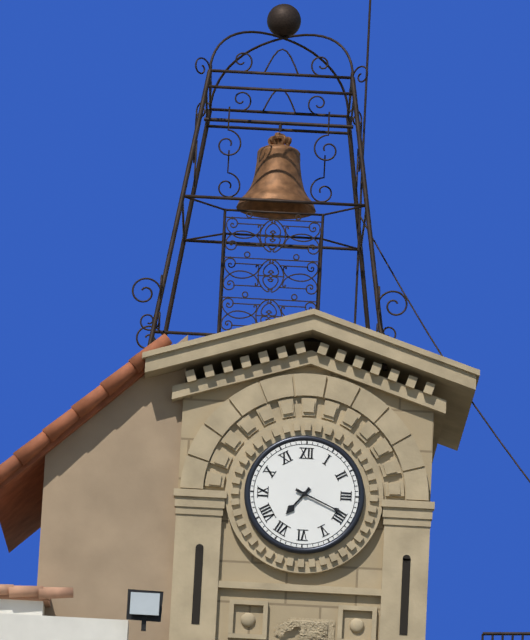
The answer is 7:19
